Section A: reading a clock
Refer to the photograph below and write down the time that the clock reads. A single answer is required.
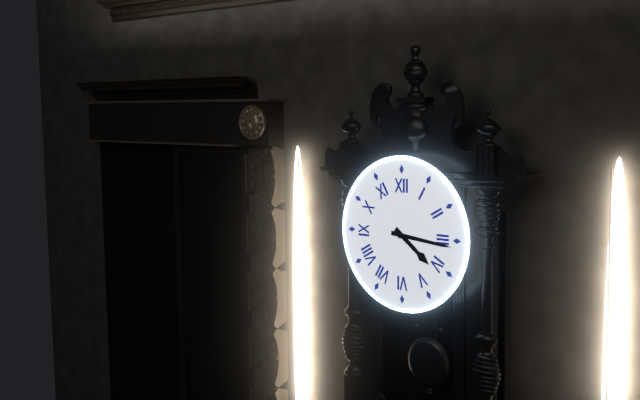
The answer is 4:16
